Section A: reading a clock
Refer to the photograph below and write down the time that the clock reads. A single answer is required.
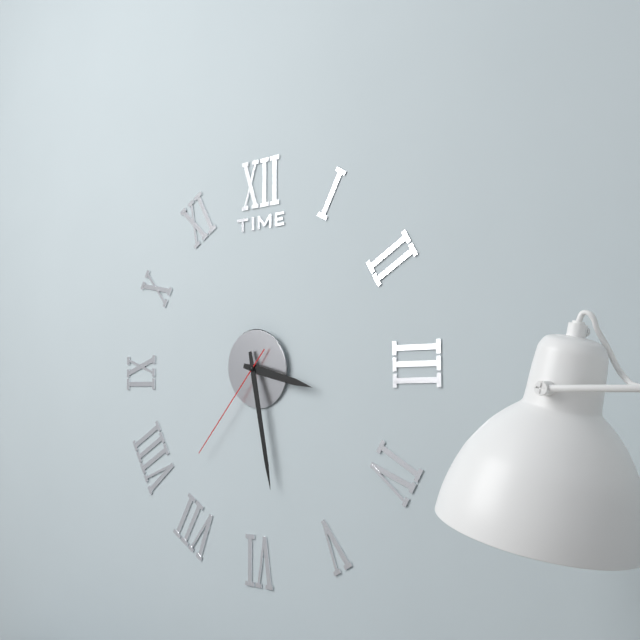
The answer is 3:28:37
